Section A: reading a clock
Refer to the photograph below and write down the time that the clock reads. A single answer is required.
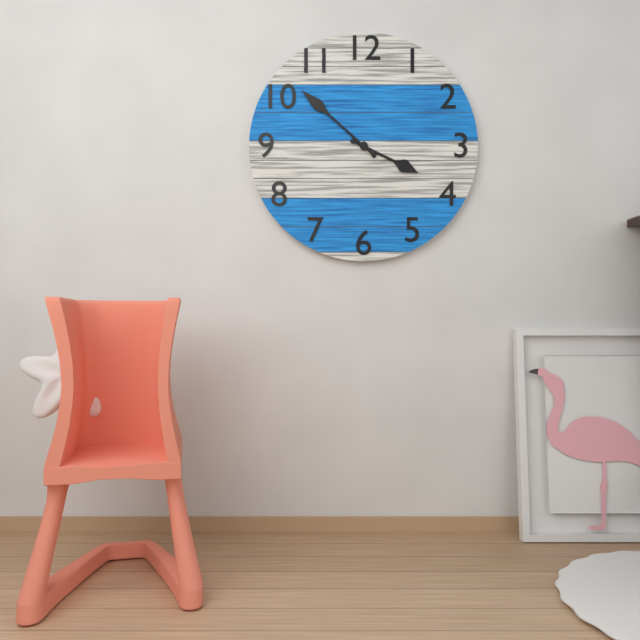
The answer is 3:52
